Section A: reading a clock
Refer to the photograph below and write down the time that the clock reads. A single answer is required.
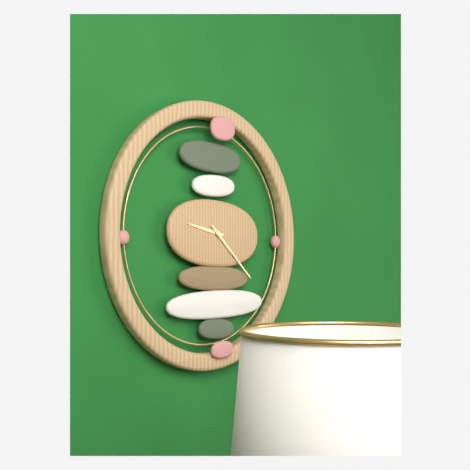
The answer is 9:22
